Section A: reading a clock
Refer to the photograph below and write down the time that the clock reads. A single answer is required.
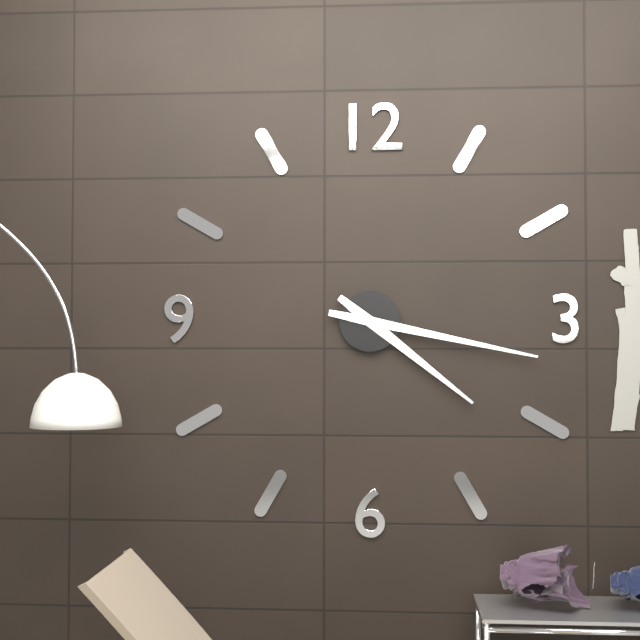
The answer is 4:17
